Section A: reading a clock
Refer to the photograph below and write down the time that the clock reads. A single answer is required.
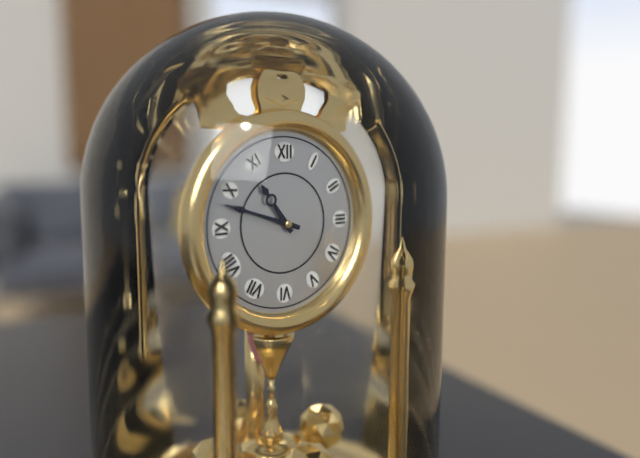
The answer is 10:48
